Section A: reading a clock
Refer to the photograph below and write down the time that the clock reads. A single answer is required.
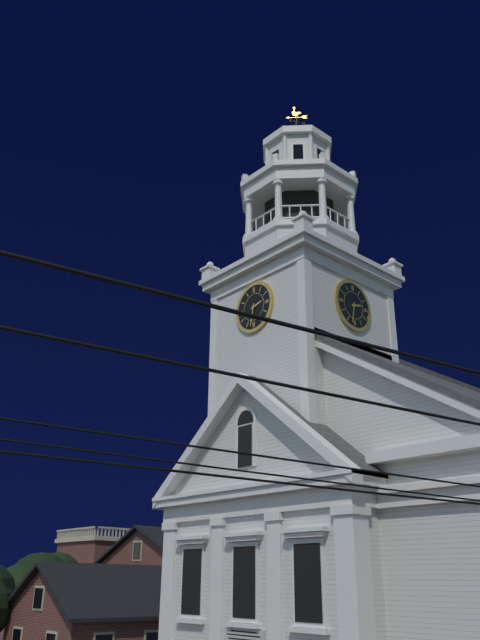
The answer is 2:32
